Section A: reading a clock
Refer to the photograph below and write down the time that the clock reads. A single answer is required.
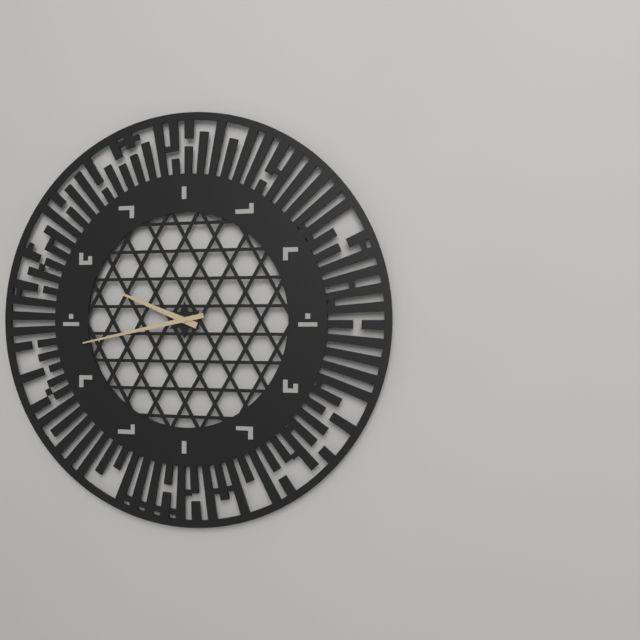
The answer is 9:43
